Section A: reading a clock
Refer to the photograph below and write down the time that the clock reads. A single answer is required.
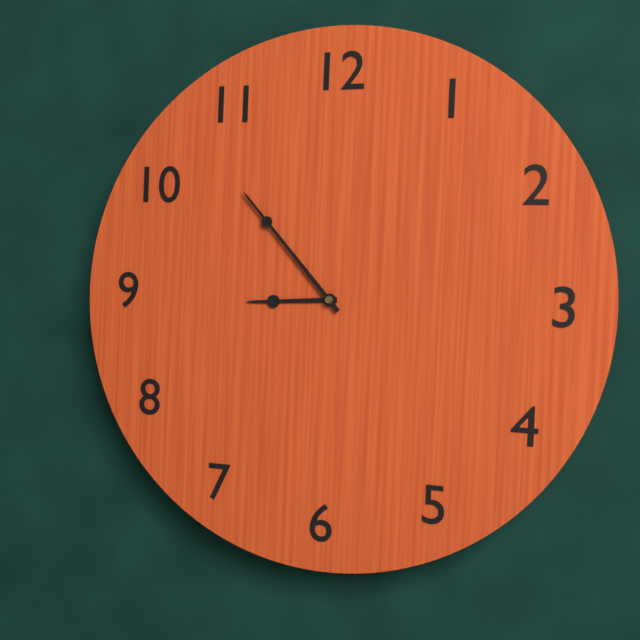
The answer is 8:53
